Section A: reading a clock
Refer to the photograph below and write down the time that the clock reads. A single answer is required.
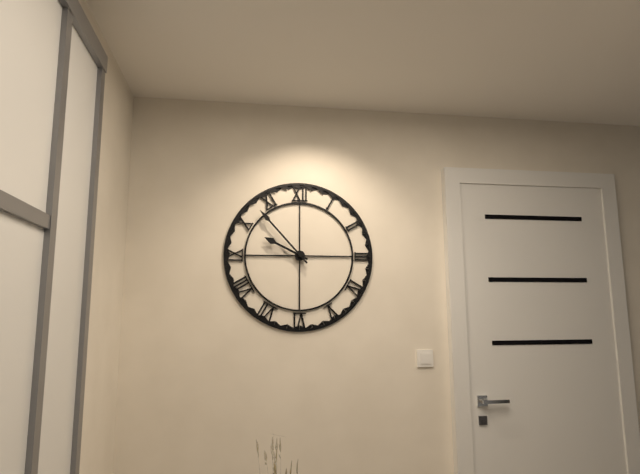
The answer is 9:53
